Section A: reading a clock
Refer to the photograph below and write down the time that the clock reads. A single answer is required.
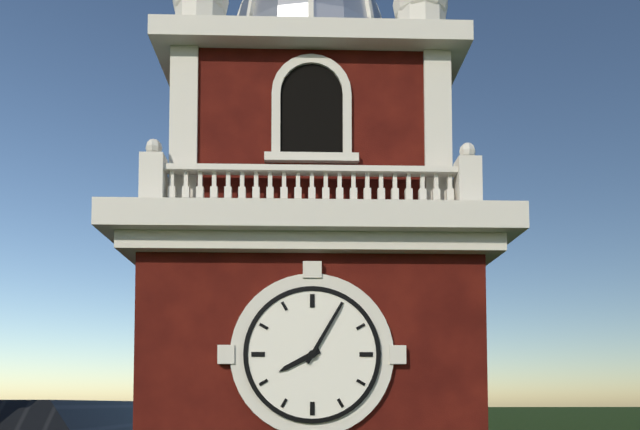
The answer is 8:05
